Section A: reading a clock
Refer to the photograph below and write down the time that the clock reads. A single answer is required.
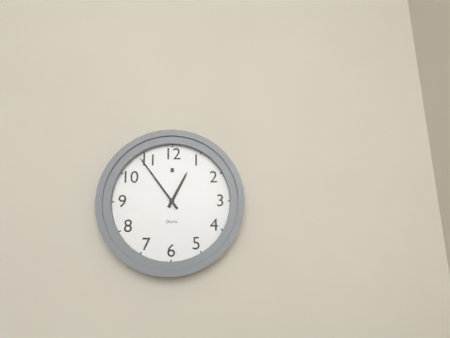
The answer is 12:54
